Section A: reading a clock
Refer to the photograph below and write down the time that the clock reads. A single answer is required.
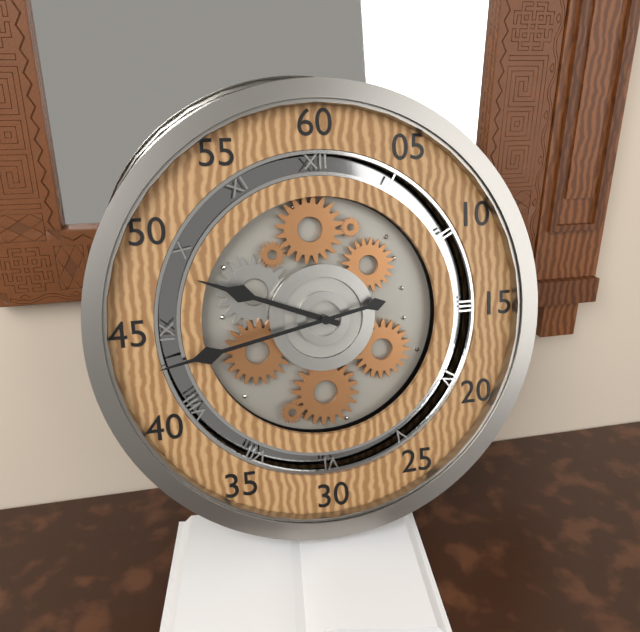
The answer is 9:43
